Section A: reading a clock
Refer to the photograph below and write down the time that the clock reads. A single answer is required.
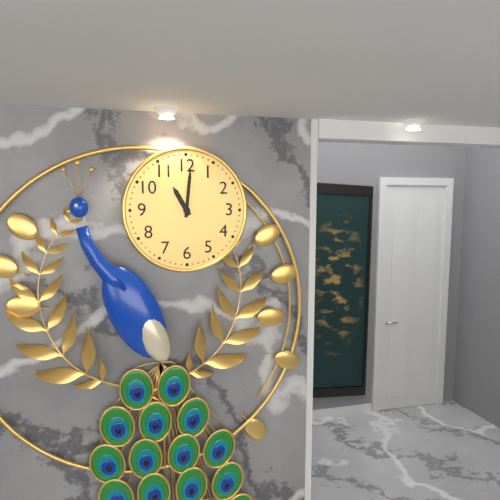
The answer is 11:01
